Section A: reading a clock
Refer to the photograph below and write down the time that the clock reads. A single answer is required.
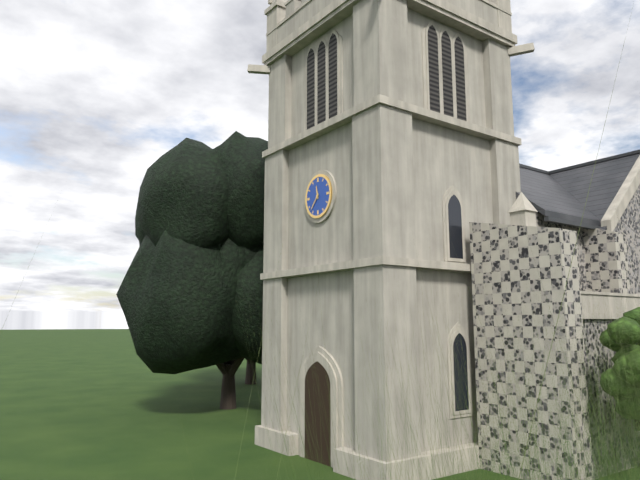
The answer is 11:37
